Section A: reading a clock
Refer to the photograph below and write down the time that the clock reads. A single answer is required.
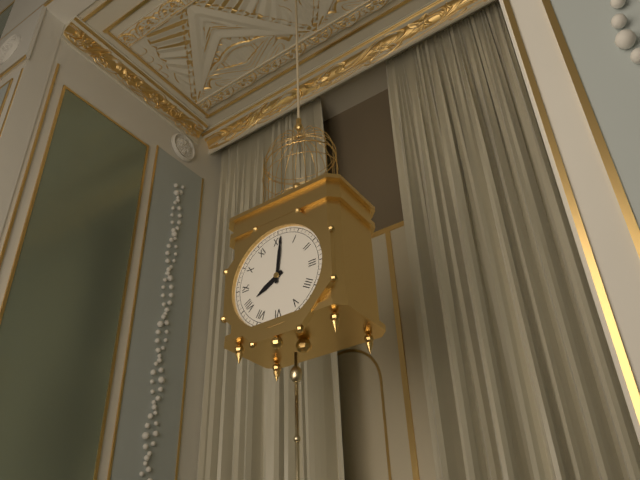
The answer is 8:01
